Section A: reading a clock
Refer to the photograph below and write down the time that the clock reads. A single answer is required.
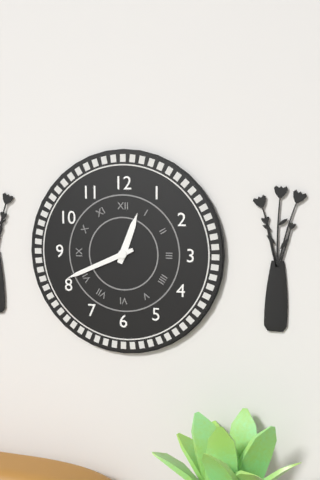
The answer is 12:41
